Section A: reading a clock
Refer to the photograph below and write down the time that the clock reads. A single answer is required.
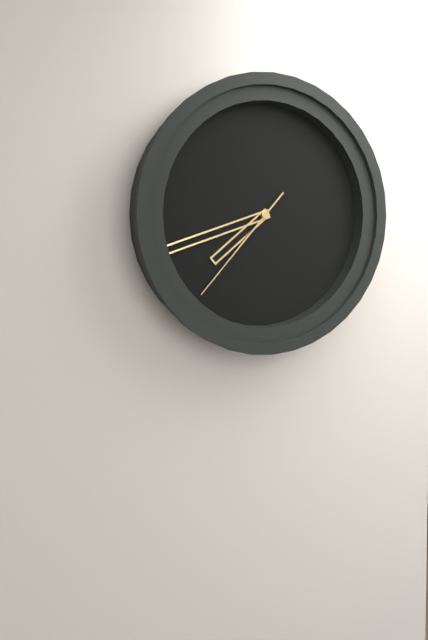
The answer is 7:42:37
